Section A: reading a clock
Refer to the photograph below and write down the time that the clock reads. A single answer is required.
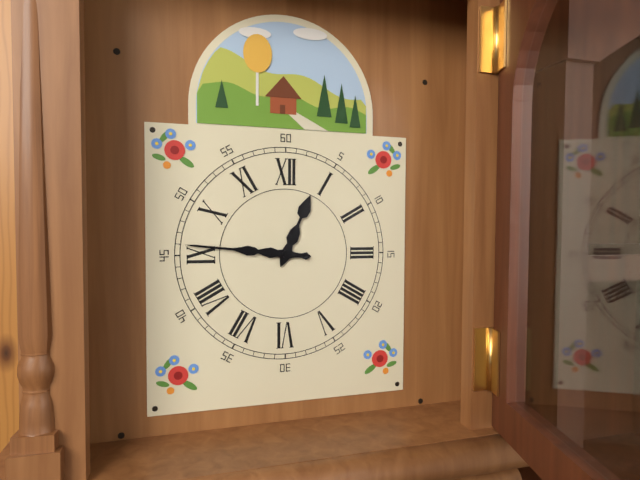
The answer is 12:46
